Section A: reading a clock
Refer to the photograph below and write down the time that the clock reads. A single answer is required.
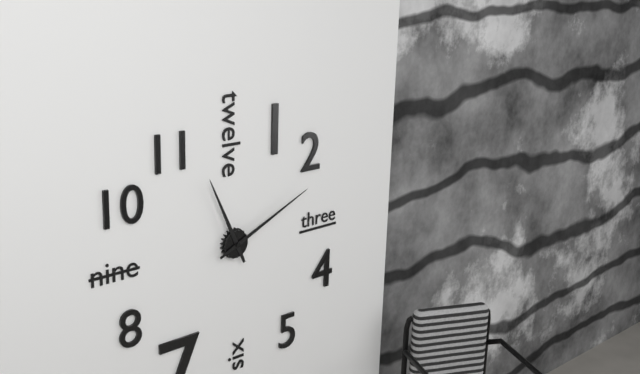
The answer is 11:11
